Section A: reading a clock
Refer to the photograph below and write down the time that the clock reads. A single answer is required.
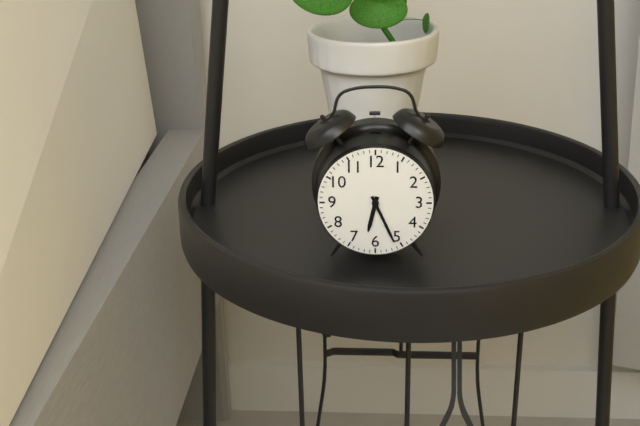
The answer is 6:26
